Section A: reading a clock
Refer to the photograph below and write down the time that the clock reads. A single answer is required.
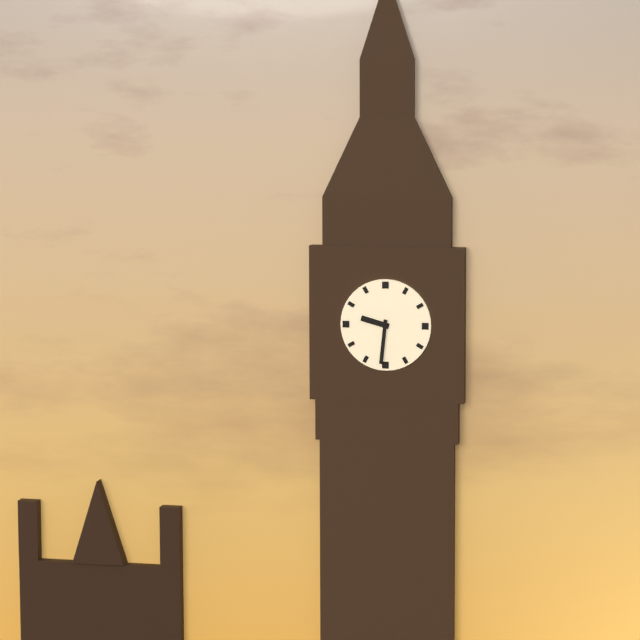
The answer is 9:31
